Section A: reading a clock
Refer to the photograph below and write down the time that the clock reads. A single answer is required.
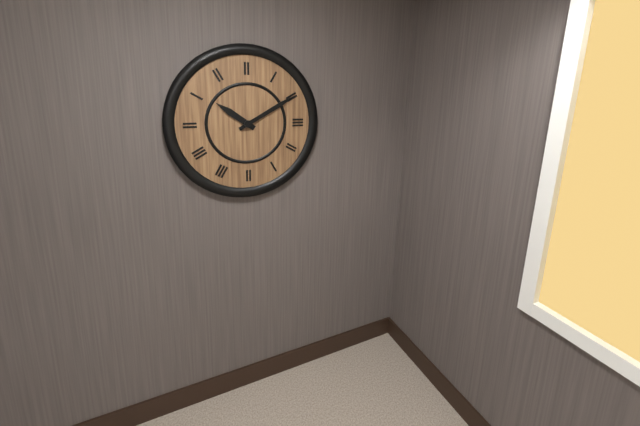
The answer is 10:10
